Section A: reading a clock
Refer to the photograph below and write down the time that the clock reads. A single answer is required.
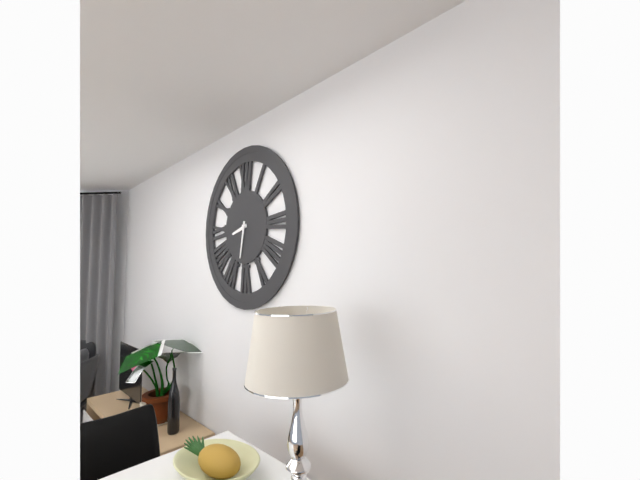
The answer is 8:32
